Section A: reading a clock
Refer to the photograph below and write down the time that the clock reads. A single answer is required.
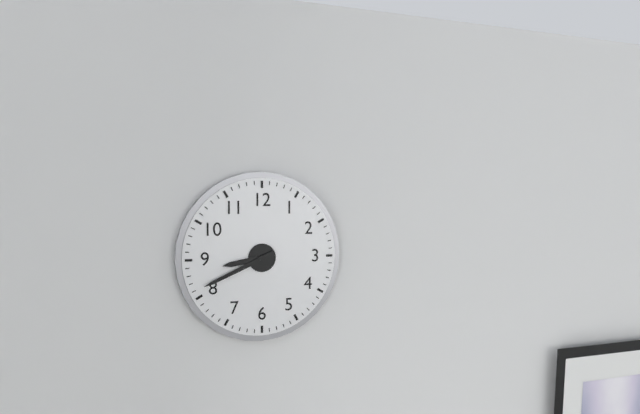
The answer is 8:41
